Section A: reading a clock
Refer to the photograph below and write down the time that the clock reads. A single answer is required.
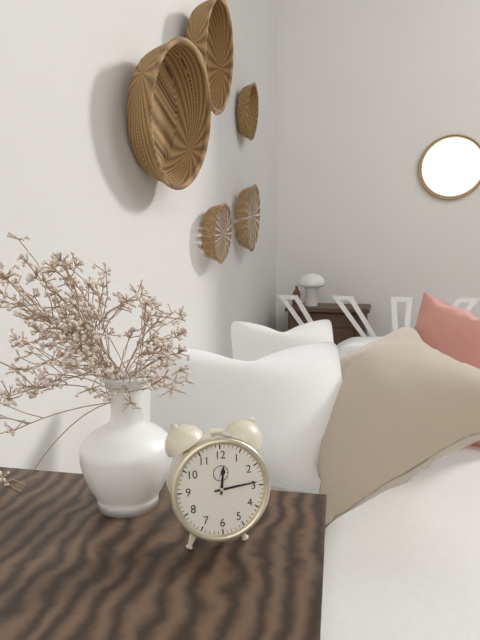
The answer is 12:14
